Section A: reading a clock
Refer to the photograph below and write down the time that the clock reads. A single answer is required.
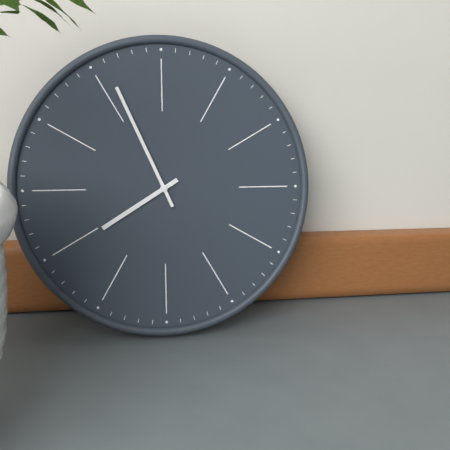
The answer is 7:56
